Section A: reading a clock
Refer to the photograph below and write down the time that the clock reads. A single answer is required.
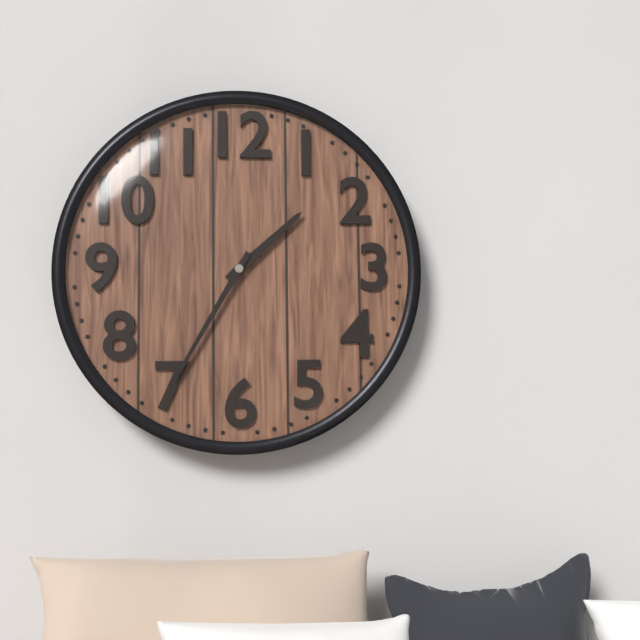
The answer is 1:35
